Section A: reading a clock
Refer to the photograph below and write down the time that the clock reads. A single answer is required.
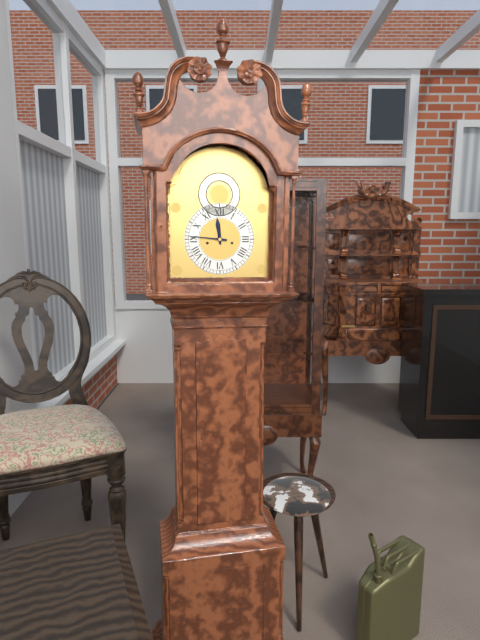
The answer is 11:46
